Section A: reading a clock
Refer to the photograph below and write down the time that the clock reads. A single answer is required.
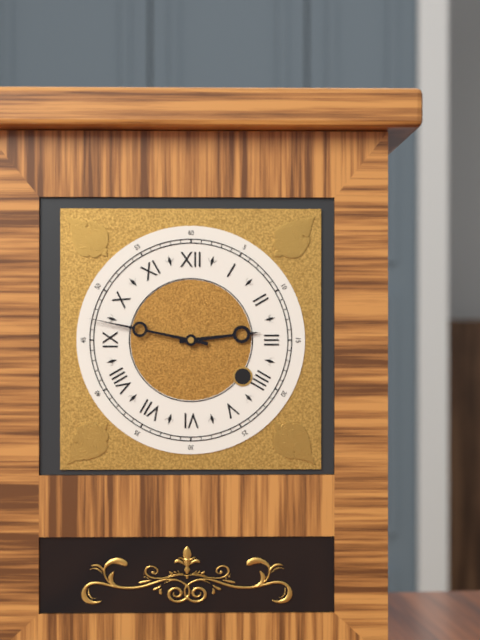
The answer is 2:47
